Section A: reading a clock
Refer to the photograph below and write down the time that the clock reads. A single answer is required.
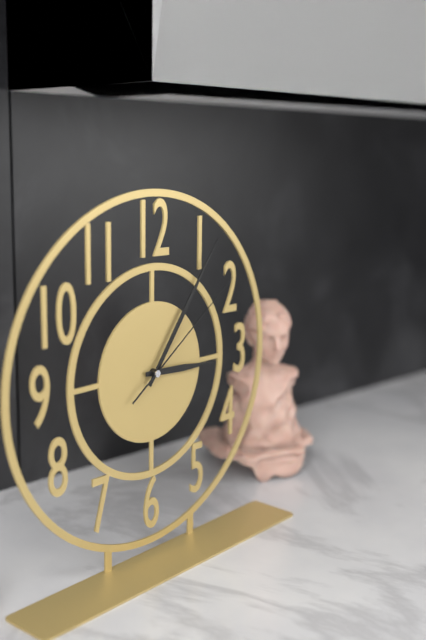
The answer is 3:06:09
